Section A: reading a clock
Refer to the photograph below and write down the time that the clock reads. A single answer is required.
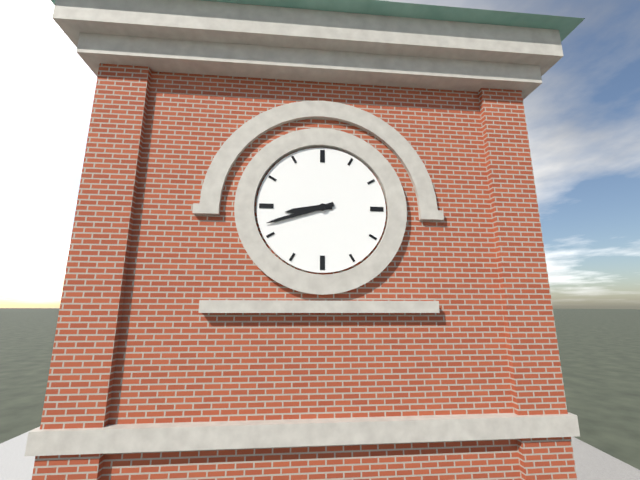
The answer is 8:42
